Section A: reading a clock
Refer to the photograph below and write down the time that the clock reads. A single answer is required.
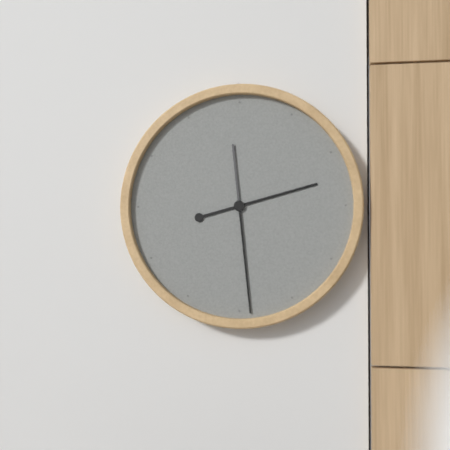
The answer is 2:29
